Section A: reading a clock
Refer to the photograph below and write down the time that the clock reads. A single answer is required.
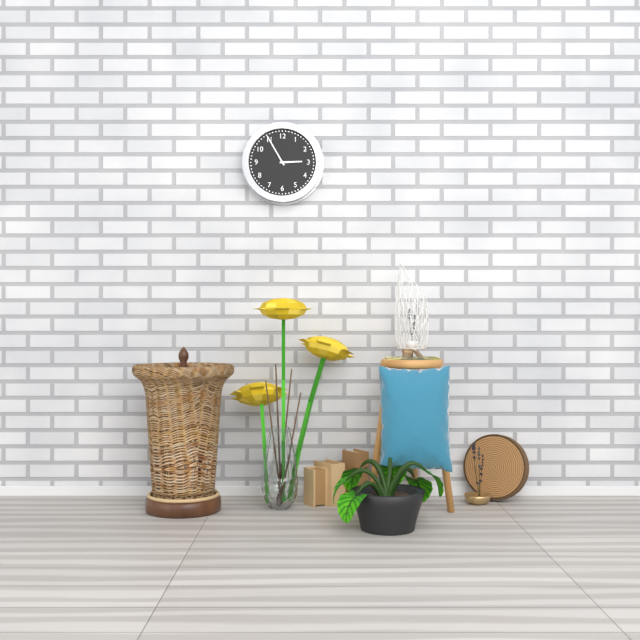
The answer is 2:55
